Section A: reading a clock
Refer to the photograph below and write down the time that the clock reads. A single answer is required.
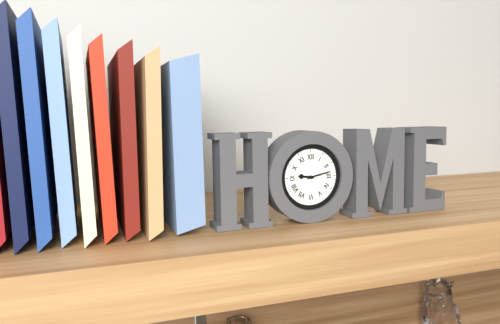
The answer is 9:13
